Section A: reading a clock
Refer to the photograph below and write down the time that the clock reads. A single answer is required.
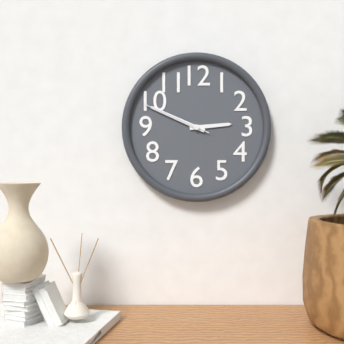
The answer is 2:49:49
